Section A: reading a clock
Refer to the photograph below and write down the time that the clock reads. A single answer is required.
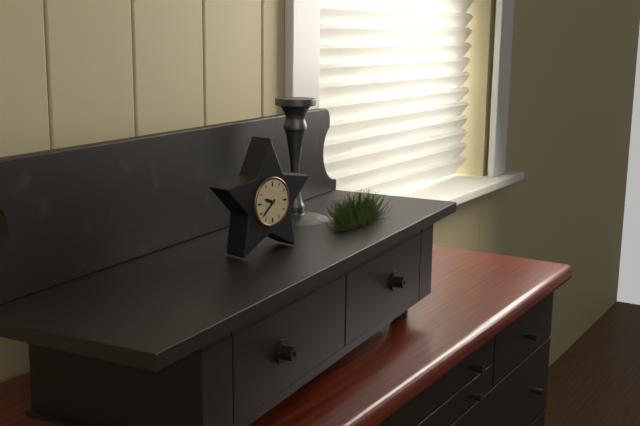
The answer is 9:38
